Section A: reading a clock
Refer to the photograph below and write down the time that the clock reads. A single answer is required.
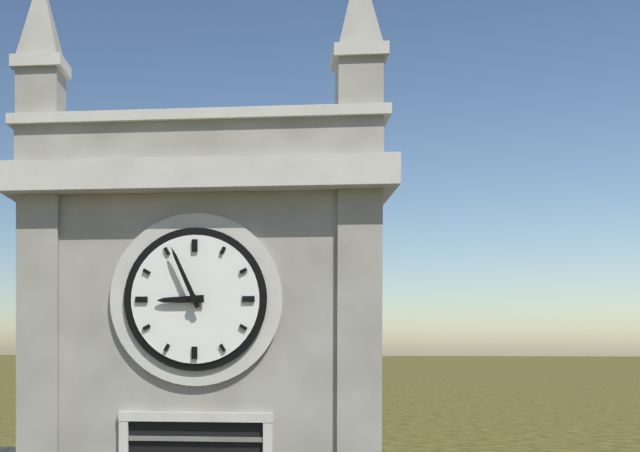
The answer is 8:56
